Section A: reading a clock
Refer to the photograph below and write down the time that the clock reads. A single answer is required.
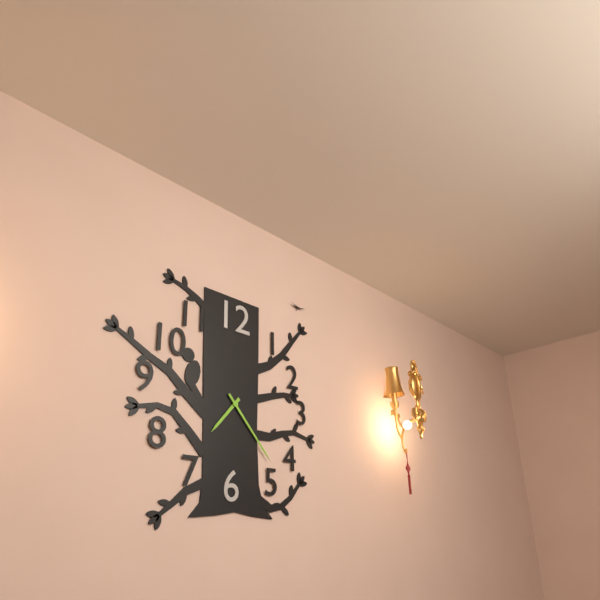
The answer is 7:23
